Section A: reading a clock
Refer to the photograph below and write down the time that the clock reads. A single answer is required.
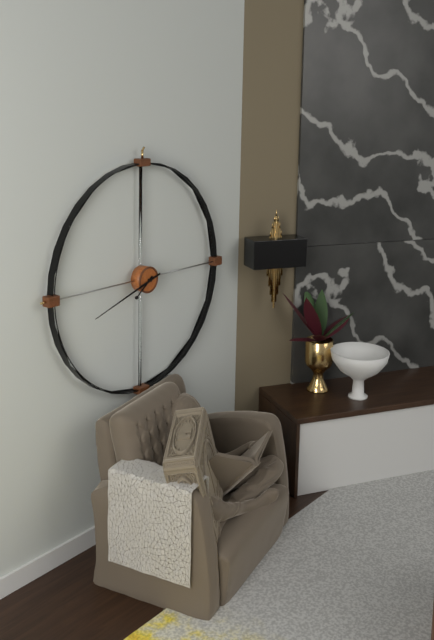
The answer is 7:42
